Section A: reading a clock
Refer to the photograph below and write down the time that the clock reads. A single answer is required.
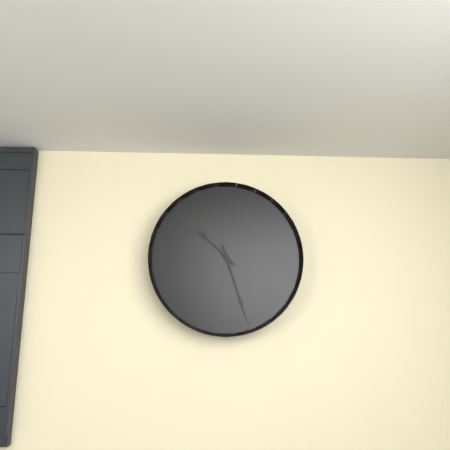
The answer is 10:27
